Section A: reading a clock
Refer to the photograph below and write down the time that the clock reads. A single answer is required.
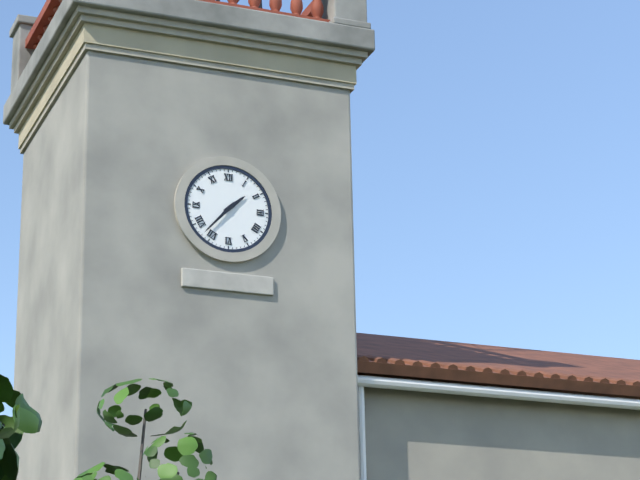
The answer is 1:37
